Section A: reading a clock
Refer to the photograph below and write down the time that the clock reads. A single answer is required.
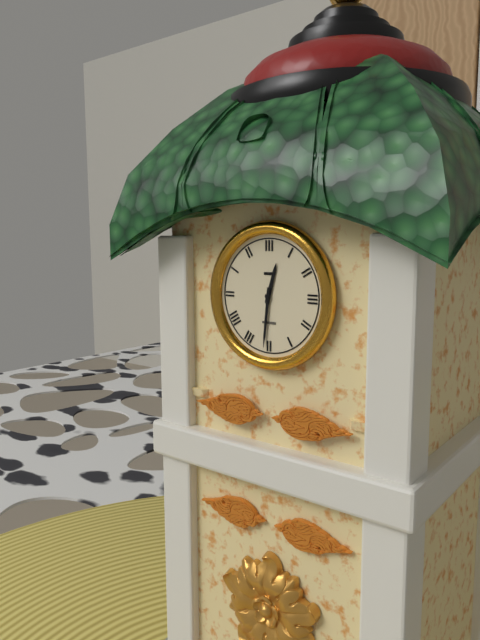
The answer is 12:31
